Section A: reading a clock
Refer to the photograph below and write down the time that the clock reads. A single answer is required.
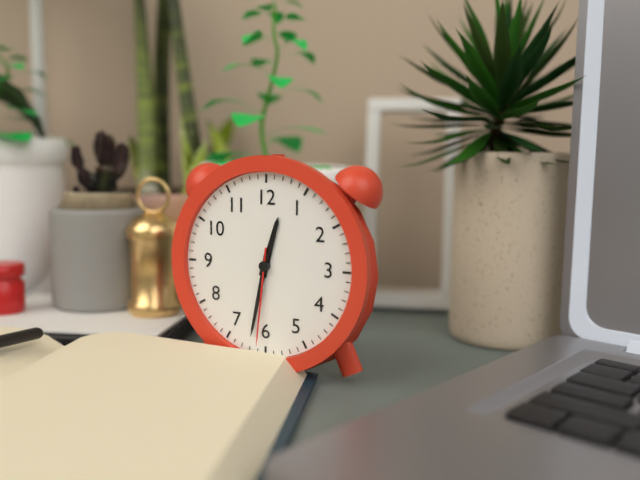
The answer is 12:32:31
